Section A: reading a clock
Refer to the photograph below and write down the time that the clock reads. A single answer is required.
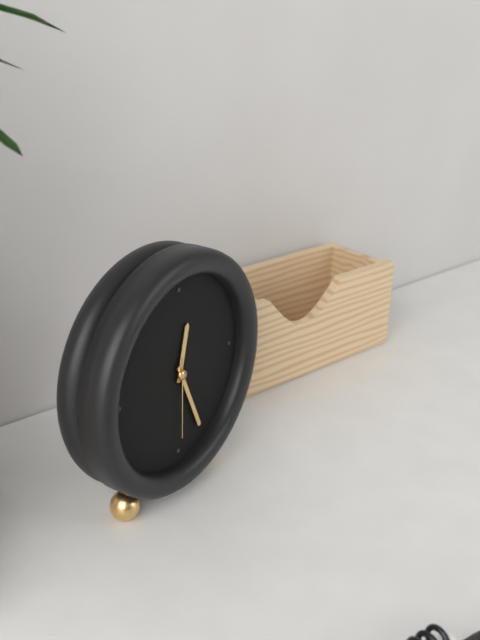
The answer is 12:26:30
